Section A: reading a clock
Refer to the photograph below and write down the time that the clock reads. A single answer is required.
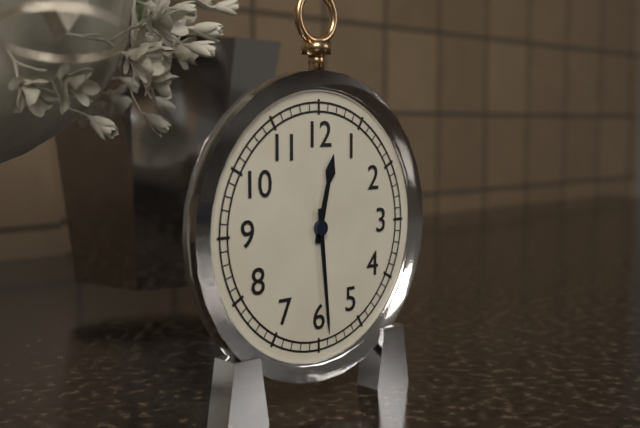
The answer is 12:29
